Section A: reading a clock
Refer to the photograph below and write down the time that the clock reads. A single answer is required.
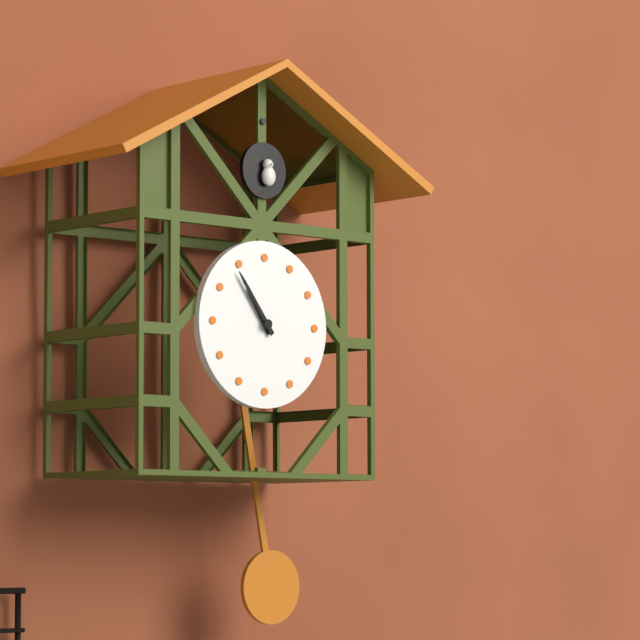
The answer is 10:54
